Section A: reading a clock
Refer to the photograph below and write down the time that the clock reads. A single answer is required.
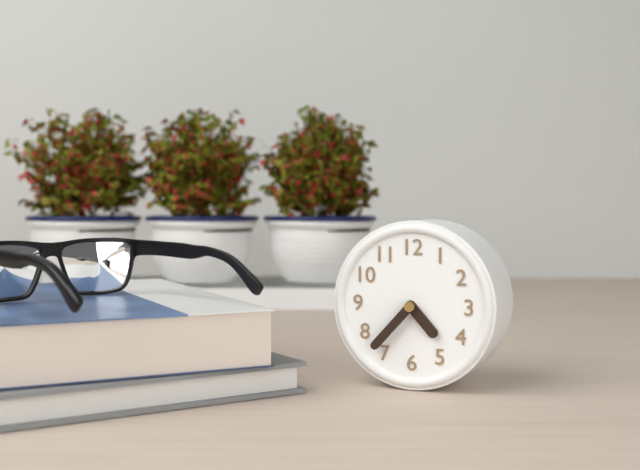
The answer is 4:37
